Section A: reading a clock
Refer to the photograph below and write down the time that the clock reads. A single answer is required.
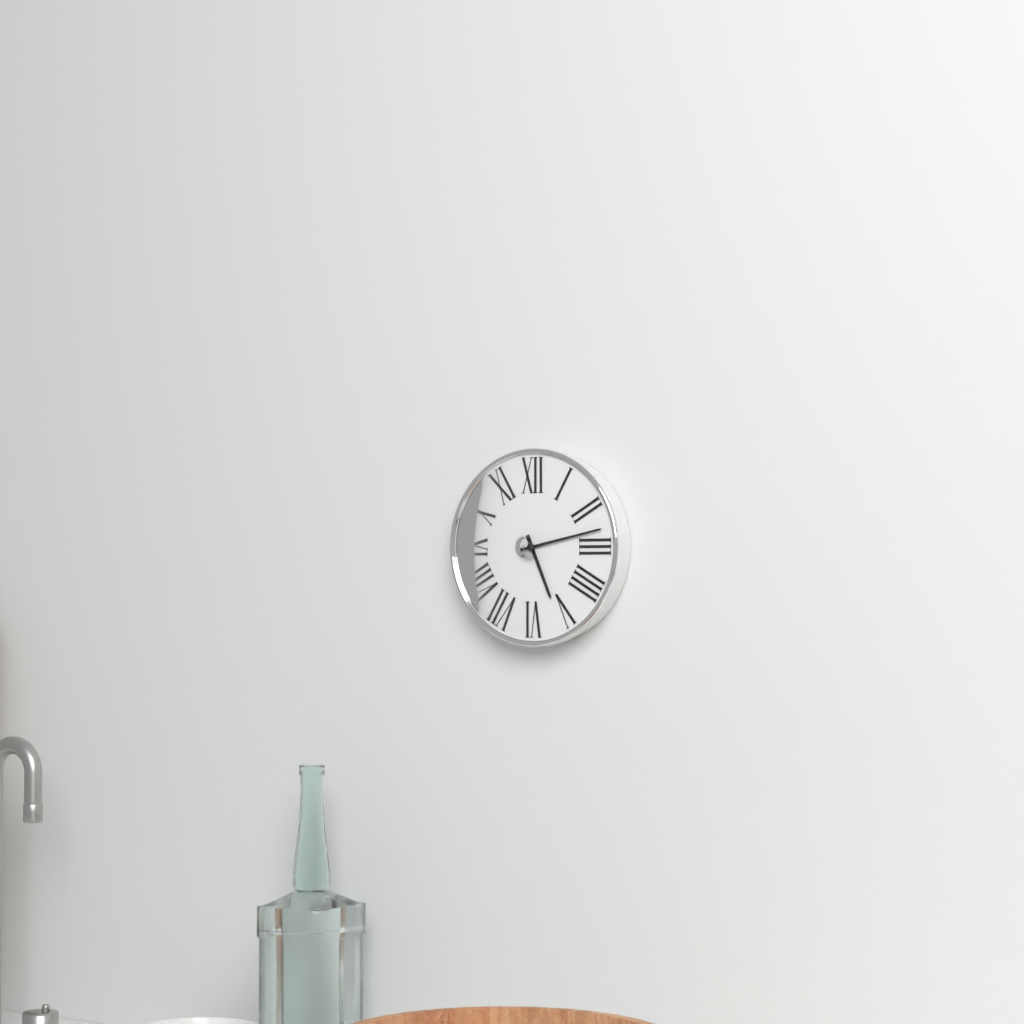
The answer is 5:13
